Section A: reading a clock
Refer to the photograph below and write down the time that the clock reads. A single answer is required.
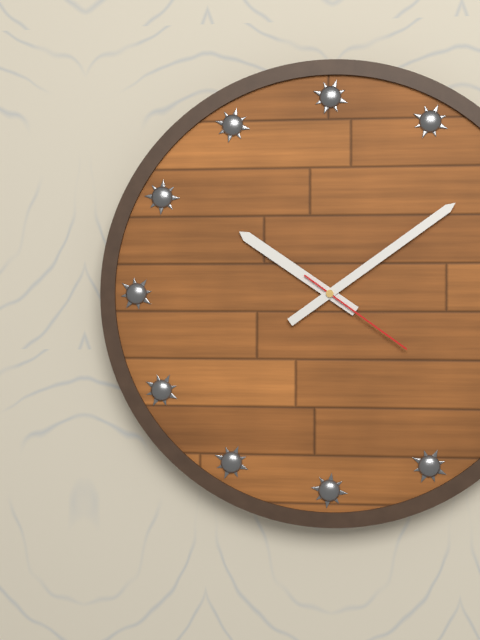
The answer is 10:09:21
